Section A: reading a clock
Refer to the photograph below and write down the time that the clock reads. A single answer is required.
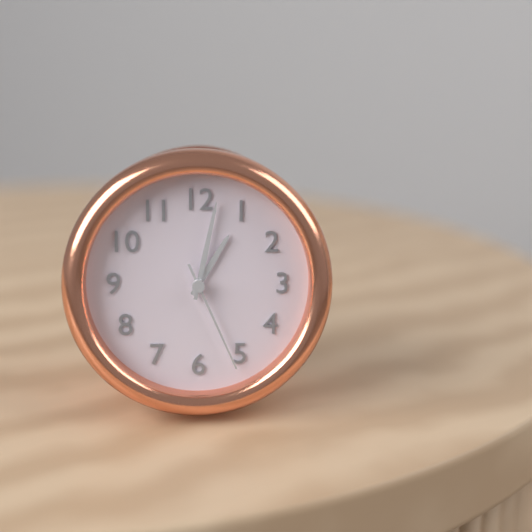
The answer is 1:02:26
